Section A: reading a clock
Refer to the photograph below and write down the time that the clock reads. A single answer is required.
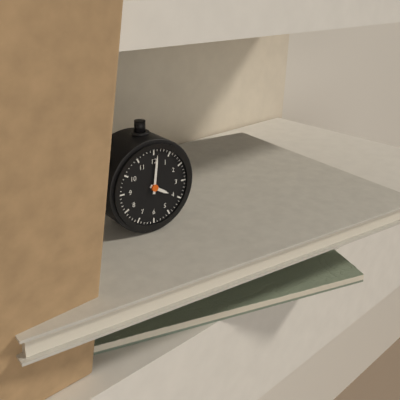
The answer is 4:01
